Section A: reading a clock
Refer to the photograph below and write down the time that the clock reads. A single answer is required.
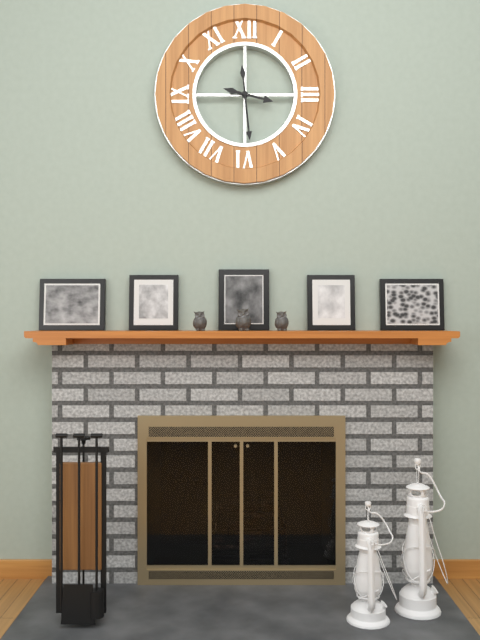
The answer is 3:29
